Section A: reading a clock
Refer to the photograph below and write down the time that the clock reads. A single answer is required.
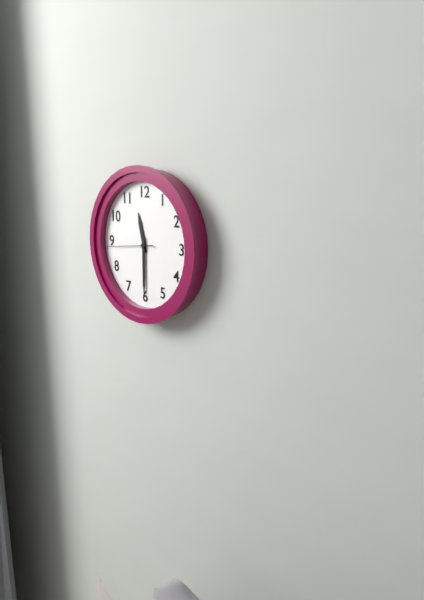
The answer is 11:30
